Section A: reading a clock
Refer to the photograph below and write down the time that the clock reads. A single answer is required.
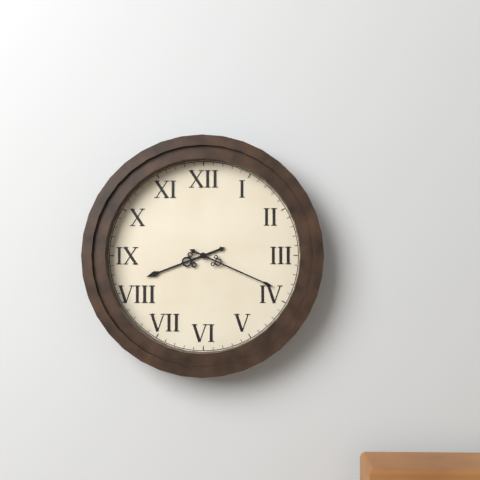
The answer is 8:19
